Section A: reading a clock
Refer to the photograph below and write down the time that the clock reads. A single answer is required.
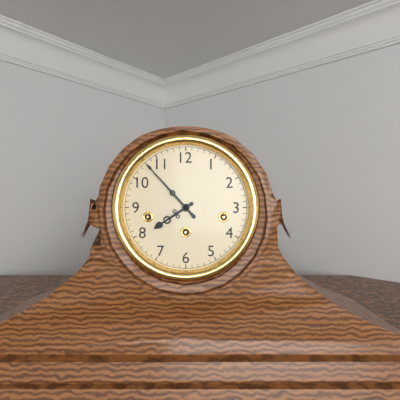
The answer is 7:53
